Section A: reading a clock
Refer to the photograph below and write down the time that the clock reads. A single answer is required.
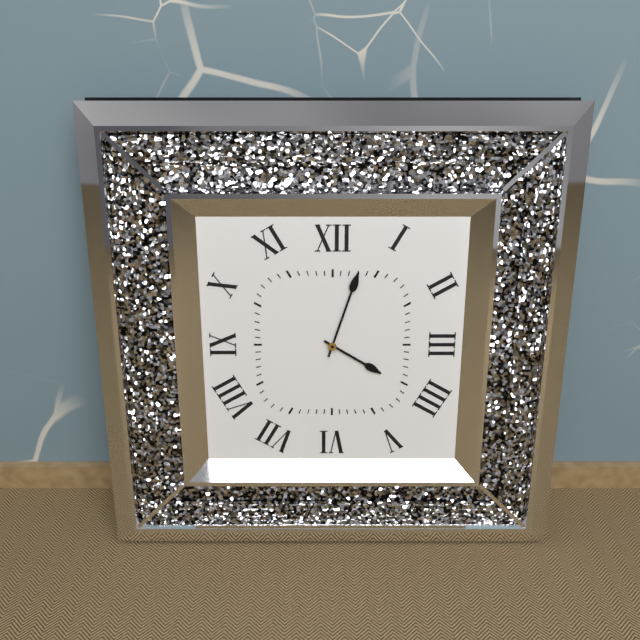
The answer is 4:03
